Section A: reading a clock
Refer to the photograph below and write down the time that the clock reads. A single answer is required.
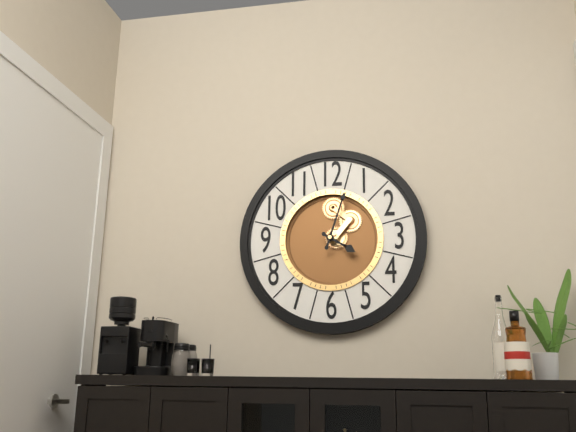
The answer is 4:03
